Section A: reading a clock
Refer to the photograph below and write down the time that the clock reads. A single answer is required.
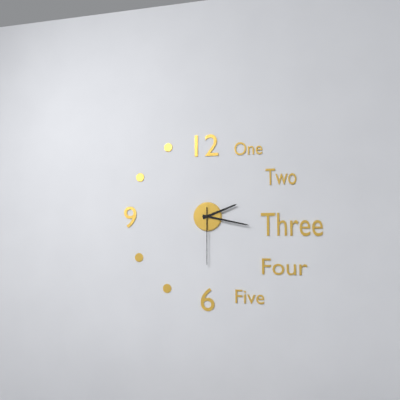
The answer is 2:17:30
